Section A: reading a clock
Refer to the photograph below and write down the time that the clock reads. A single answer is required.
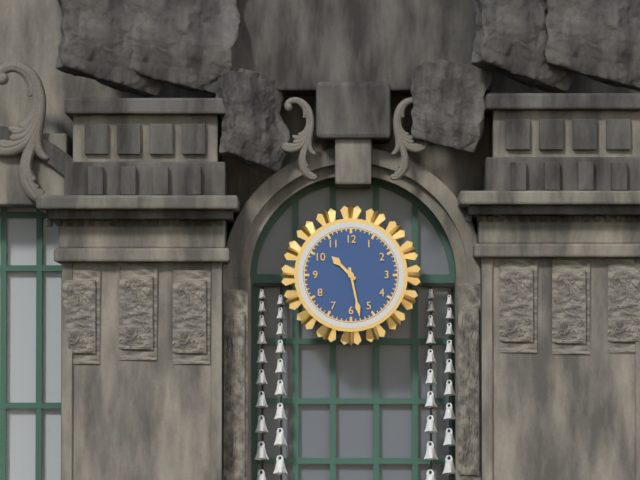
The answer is 10:28
